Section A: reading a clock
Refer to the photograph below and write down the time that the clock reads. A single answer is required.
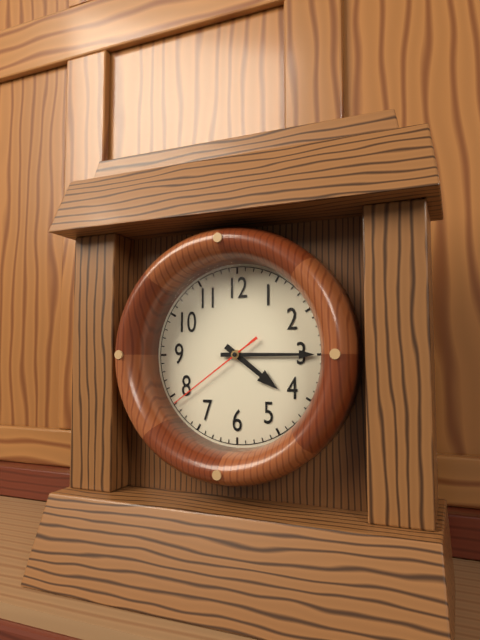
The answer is 4:15:39
